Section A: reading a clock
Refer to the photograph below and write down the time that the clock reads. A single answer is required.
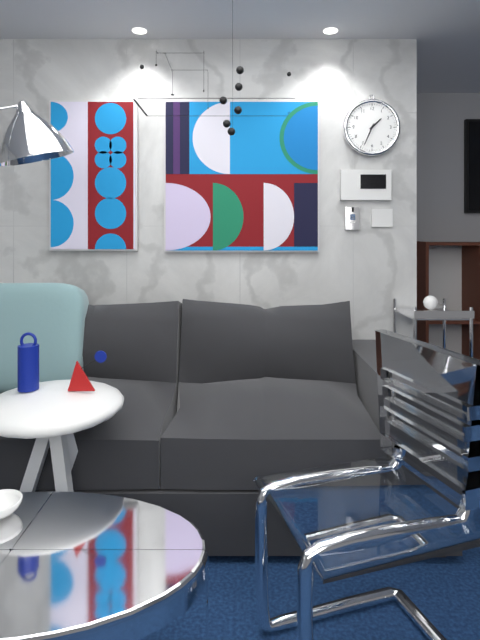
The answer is 1:34
